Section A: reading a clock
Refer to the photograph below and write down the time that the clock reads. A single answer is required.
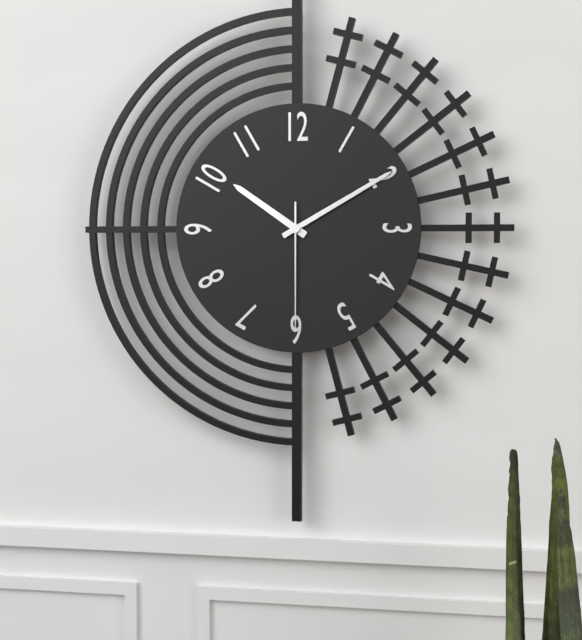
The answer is 10:10:30
